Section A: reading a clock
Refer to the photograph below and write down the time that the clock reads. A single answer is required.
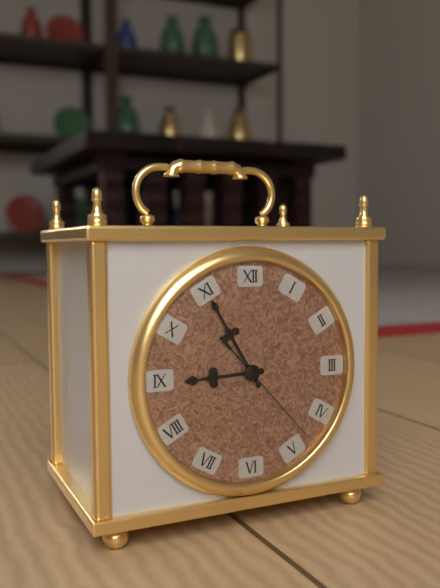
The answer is 8:55:23
